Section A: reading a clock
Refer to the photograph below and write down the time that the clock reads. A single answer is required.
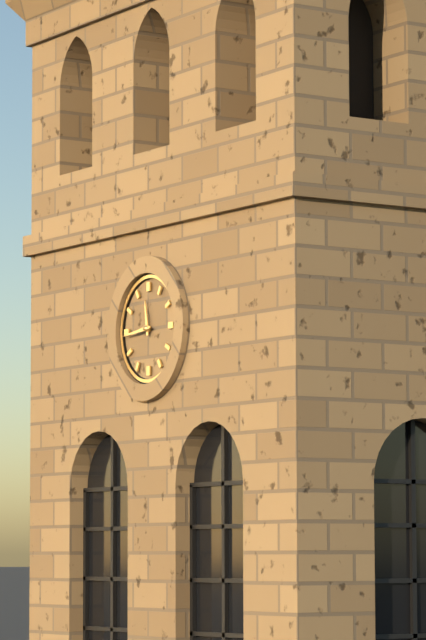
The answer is 11:44
